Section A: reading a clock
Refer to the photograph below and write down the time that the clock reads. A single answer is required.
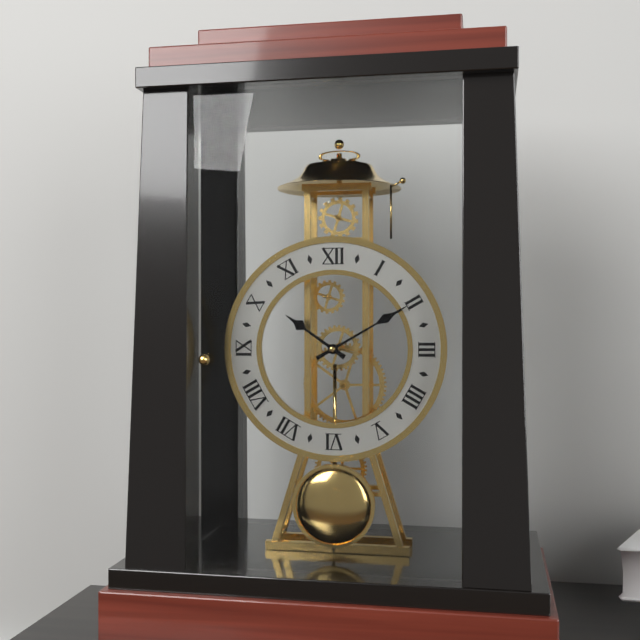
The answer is 10:10
